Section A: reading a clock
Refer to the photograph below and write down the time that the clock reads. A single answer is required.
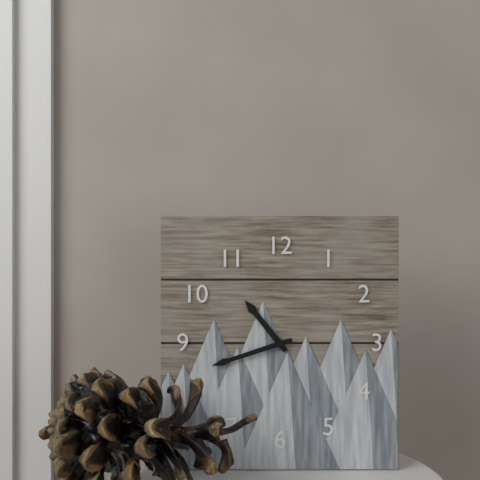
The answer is 10:42
